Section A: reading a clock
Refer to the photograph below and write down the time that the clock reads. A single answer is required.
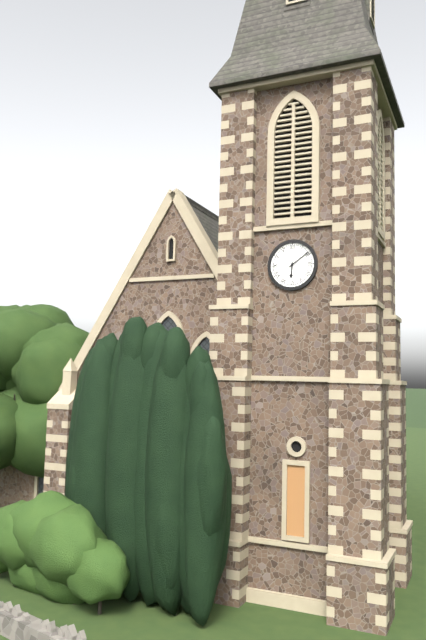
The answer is 6:09
